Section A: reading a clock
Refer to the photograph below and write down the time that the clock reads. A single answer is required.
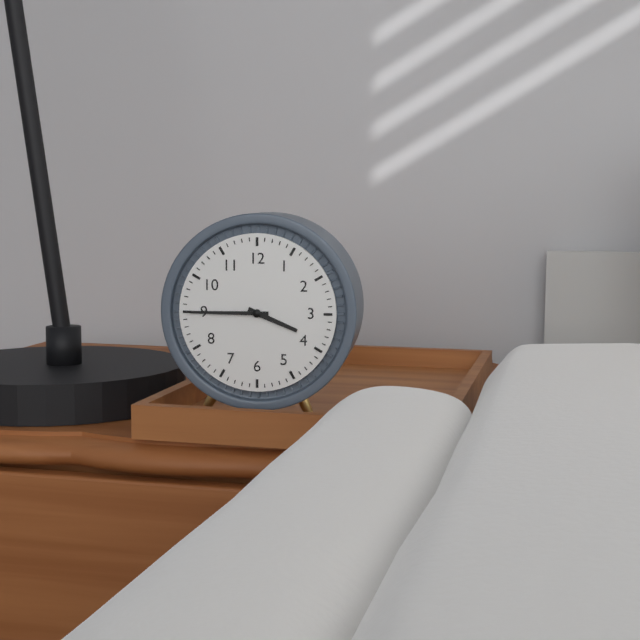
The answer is 3:45
